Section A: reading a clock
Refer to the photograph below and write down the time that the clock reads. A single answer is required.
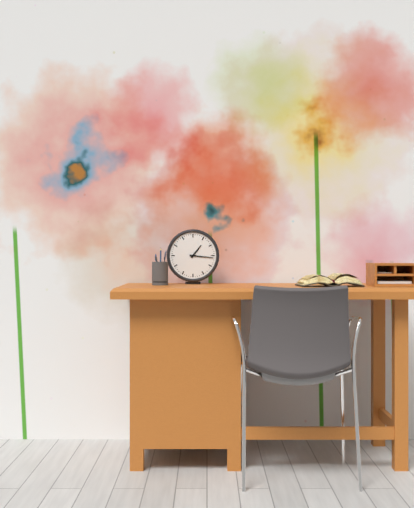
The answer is 1:16
